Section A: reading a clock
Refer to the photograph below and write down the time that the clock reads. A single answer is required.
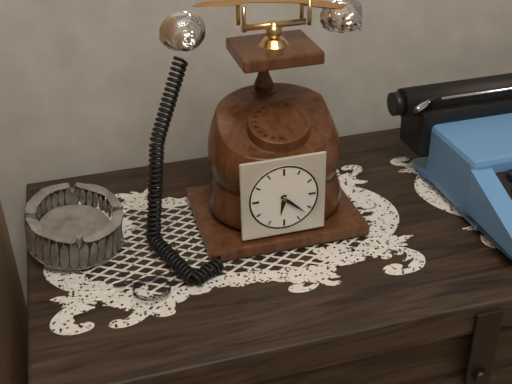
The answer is 6:22
